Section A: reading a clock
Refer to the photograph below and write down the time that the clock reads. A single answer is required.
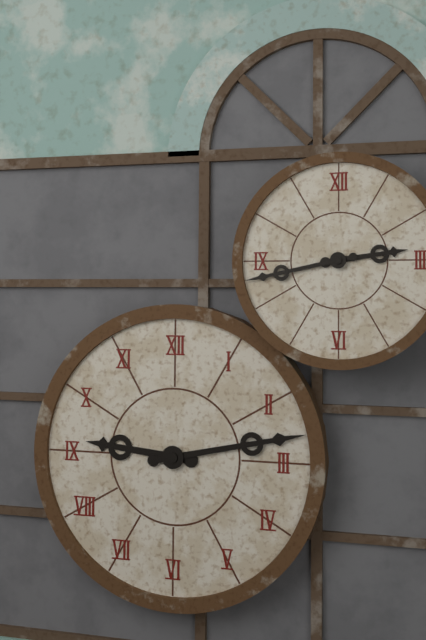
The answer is 2:43
